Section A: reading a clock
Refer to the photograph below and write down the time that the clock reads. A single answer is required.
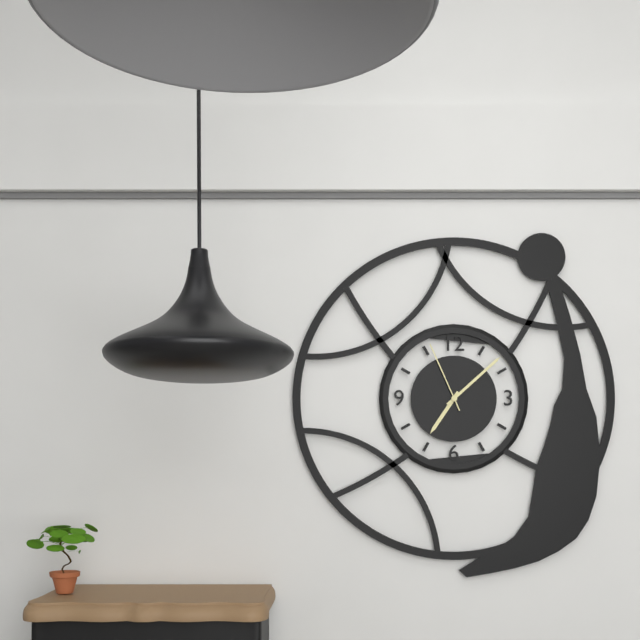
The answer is 7:08:56
